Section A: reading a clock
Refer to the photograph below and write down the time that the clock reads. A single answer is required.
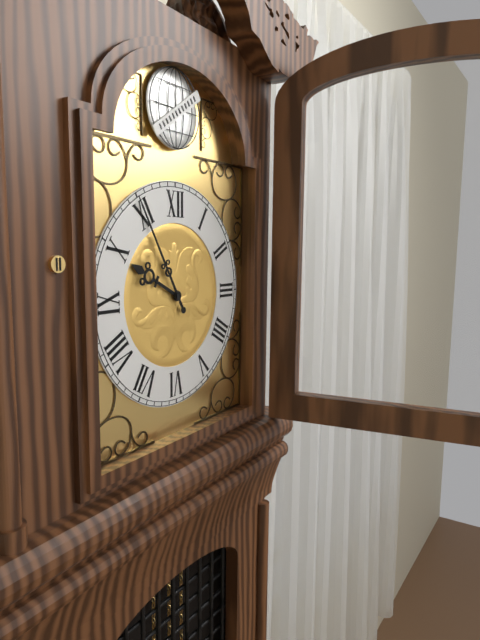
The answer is 9:55
